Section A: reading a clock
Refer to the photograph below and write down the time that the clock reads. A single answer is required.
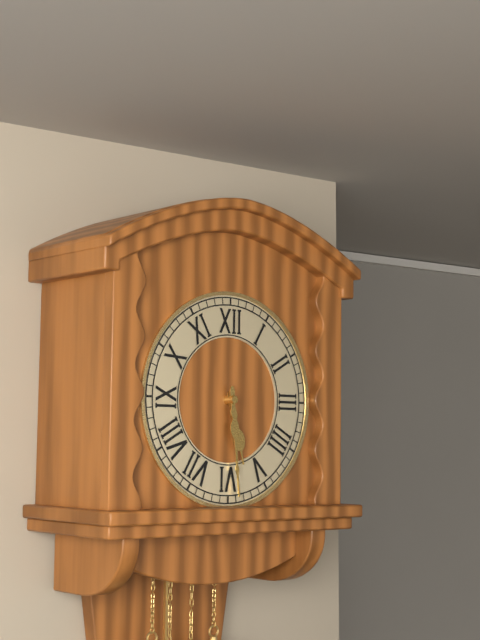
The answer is 5:29
